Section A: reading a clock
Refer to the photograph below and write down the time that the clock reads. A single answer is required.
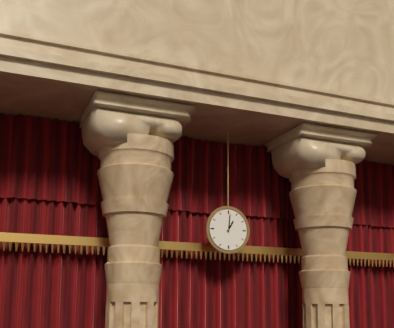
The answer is 1:01
